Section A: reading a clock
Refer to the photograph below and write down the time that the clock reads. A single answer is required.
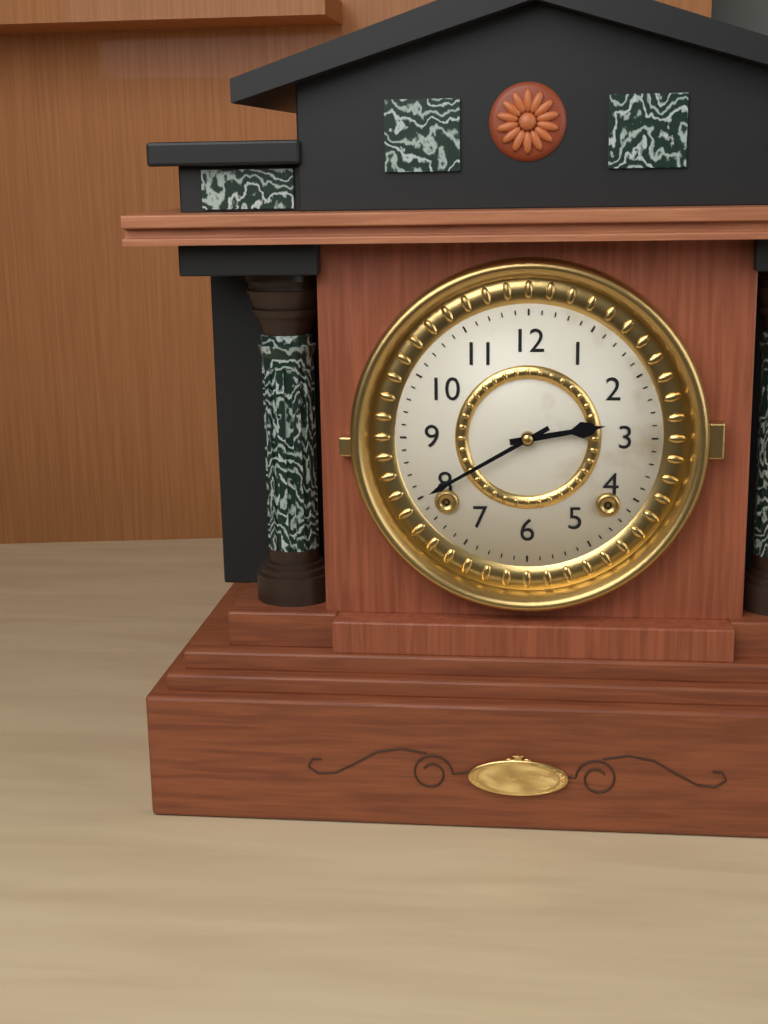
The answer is 2:40
